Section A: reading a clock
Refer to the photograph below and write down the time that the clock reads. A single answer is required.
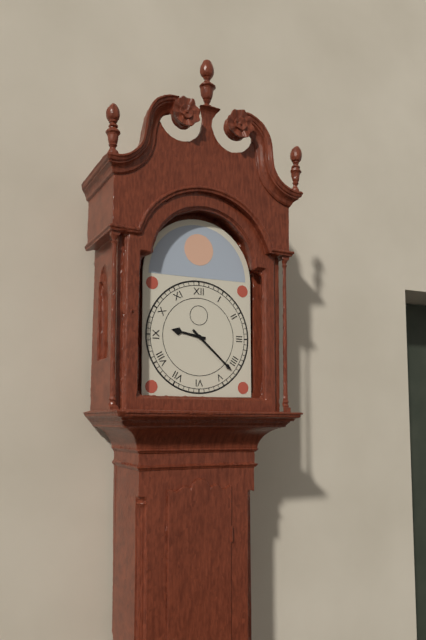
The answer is 9:22
